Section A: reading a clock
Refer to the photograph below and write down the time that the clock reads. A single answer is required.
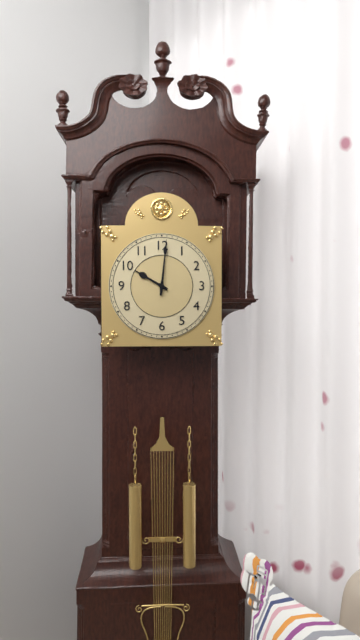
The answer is 10:01
